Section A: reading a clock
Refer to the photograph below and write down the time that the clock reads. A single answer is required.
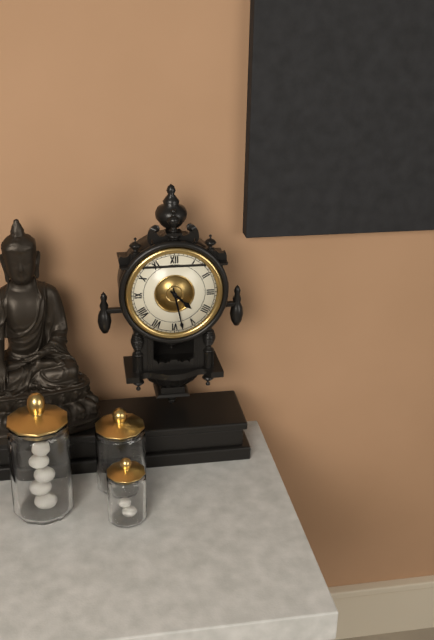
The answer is 4:28
